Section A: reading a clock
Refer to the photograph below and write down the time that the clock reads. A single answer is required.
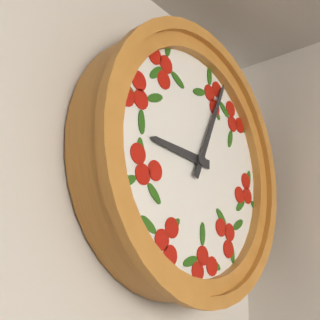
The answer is 9:04
